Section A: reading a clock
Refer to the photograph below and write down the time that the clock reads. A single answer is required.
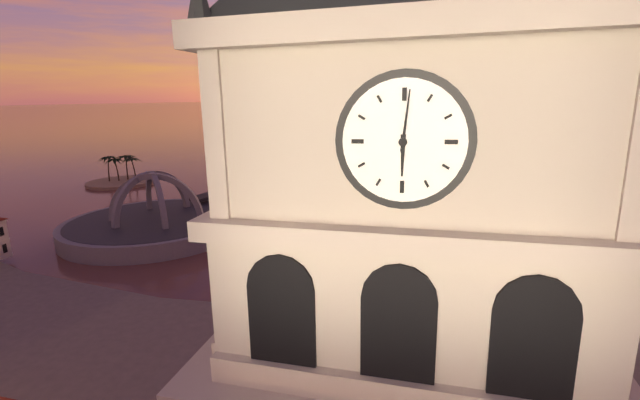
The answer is 6:01
